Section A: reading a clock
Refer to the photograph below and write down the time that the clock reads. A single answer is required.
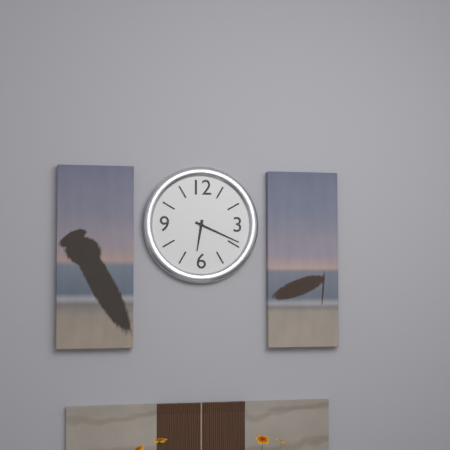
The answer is 6:19
